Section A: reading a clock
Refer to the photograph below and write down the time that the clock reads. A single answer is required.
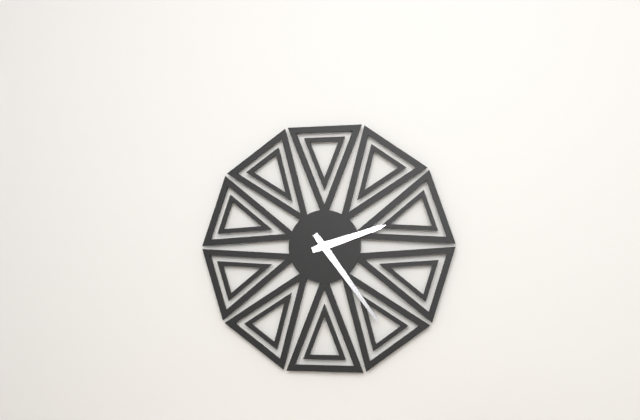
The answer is 2:24
